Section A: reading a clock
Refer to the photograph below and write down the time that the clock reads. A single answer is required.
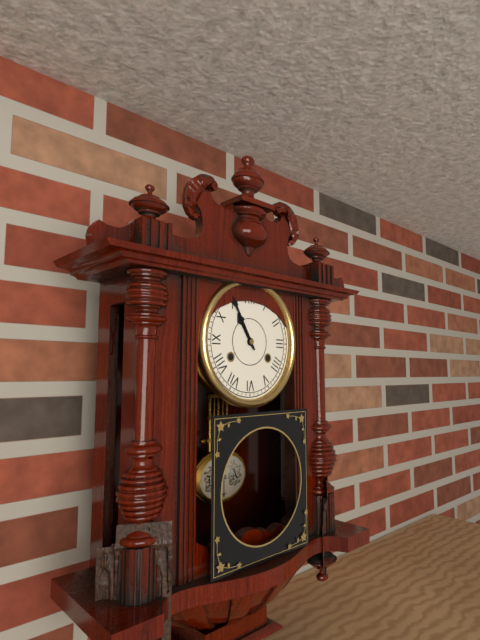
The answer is 10:55
